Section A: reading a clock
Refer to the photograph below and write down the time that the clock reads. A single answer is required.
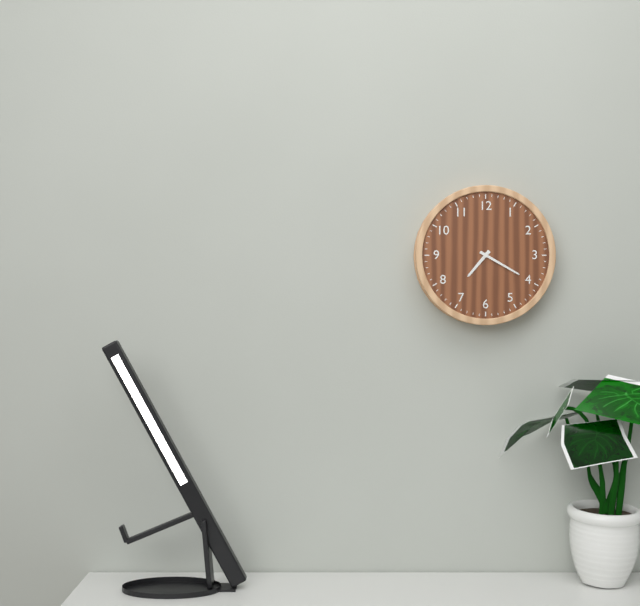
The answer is 7:20
